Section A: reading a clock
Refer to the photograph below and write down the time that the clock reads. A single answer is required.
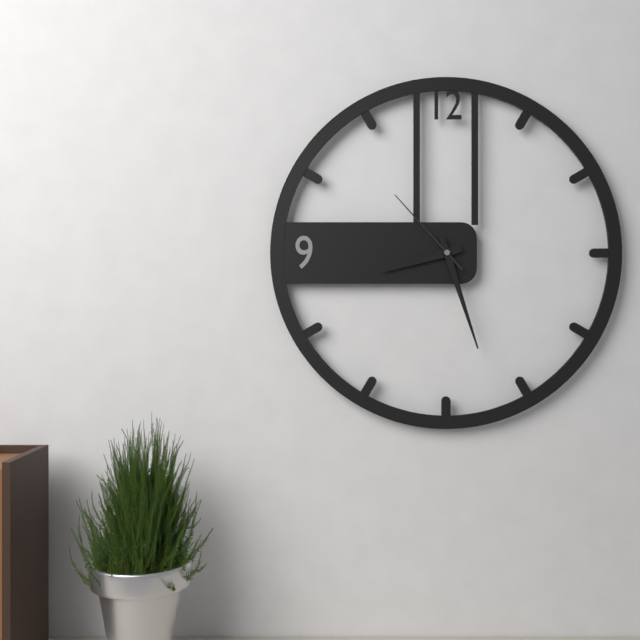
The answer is 8:27:53
